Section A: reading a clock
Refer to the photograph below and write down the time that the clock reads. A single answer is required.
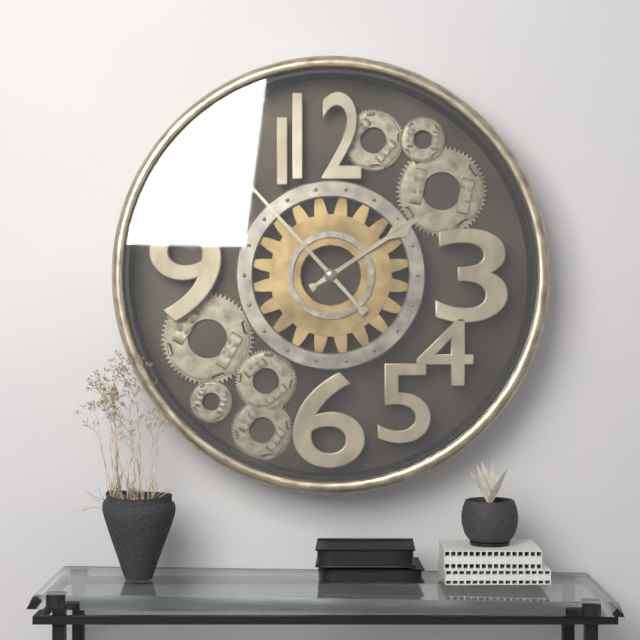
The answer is 1:53
